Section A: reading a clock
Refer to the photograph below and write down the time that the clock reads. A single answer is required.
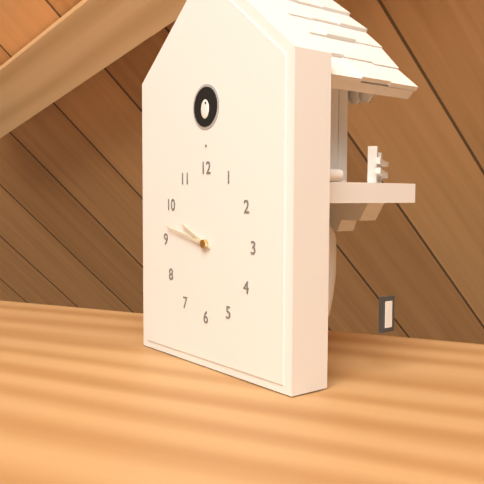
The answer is 9:47
